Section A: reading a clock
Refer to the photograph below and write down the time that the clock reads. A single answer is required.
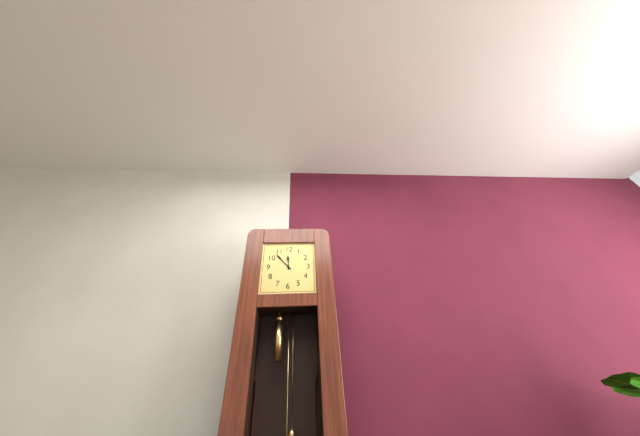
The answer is 11:53
